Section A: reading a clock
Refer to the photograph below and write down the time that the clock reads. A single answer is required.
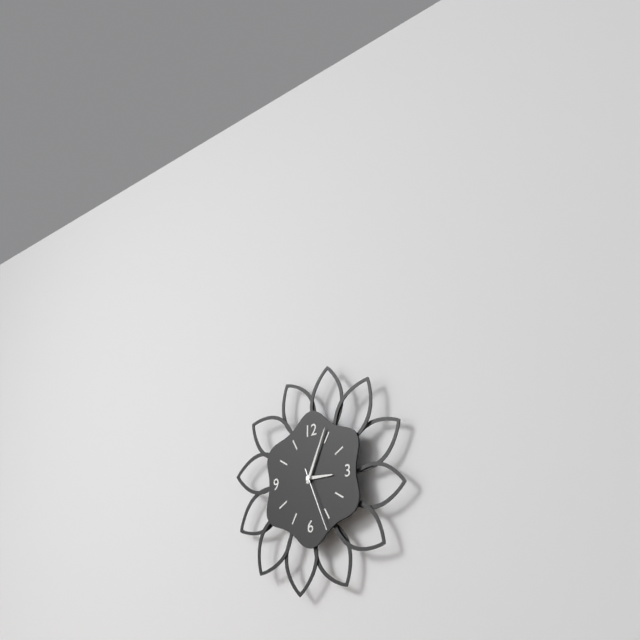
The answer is 3:04:26
